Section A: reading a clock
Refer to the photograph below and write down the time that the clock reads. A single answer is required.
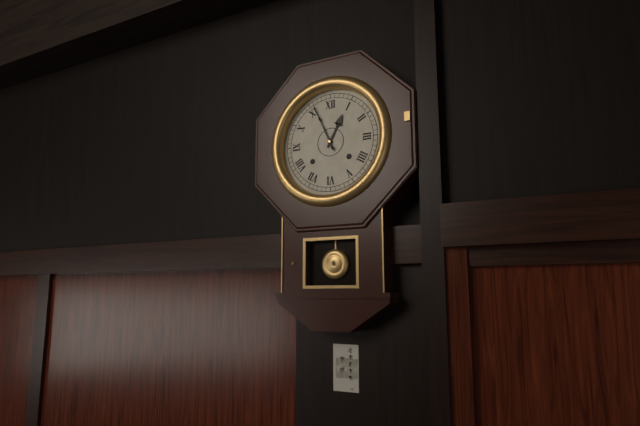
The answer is 12:56
